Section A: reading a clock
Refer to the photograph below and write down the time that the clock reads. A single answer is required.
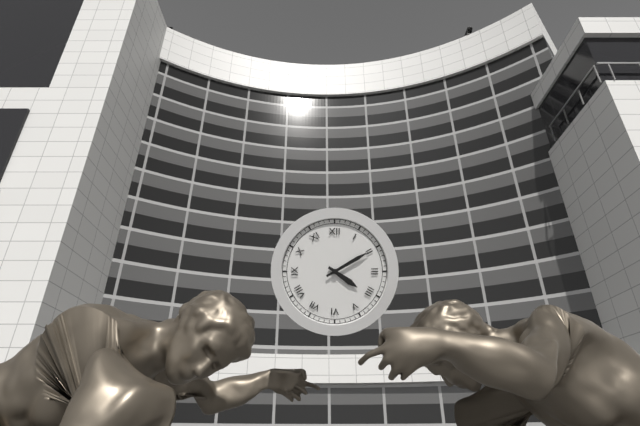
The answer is 4:10
